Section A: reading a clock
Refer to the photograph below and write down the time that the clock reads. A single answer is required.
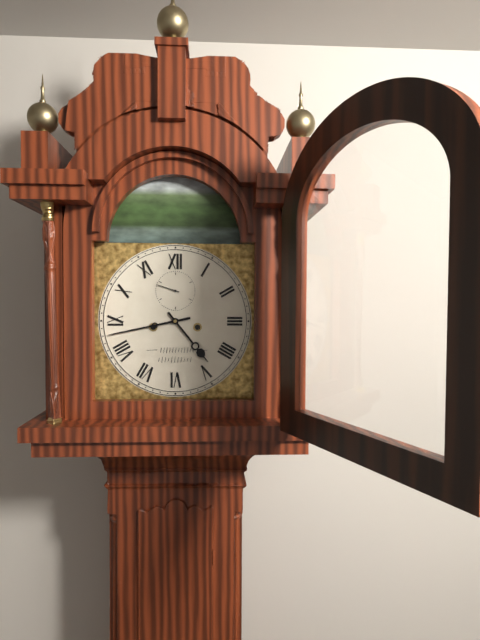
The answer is 4:43
